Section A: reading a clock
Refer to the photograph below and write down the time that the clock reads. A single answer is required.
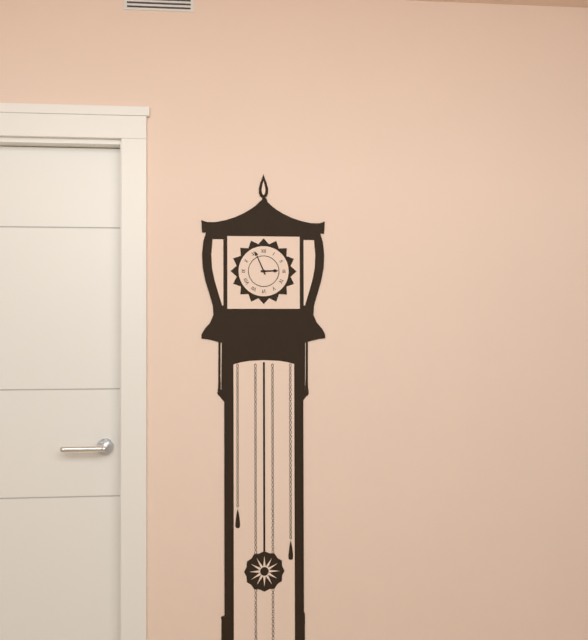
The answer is 2:56
